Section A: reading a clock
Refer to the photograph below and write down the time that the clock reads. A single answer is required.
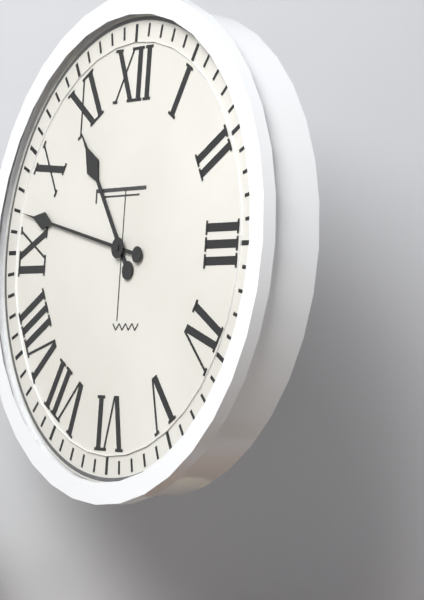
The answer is 10:47
